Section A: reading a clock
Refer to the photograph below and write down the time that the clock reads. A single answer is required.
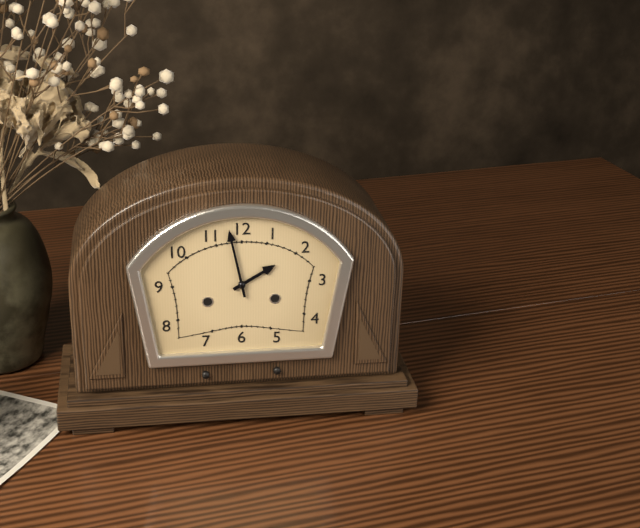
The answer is 1:58
